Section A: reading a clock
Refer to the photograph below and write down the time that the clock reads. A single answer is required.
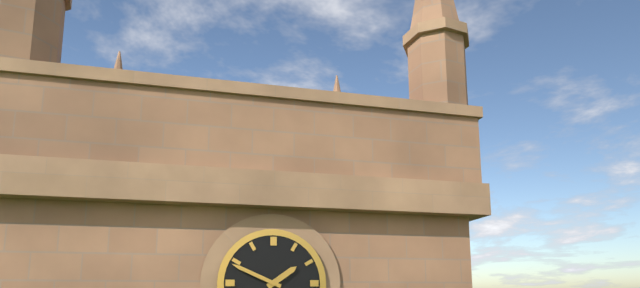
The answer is 1:49
